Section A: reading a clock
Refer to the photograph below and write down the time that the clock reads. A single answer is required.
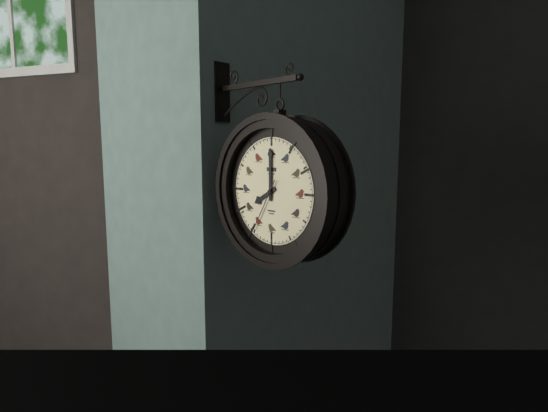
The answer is 8:00:35
